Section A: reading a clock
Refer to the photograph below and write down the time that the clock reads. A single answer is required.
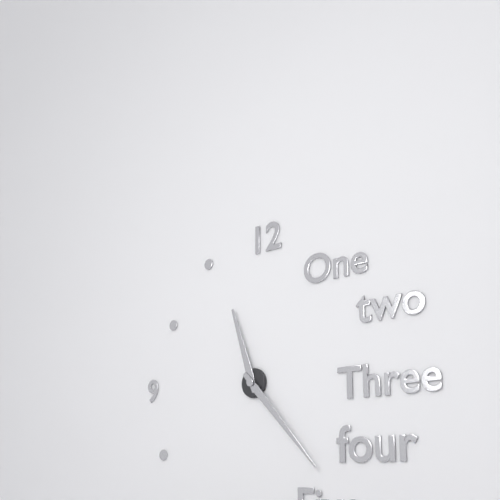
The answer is 11:23
